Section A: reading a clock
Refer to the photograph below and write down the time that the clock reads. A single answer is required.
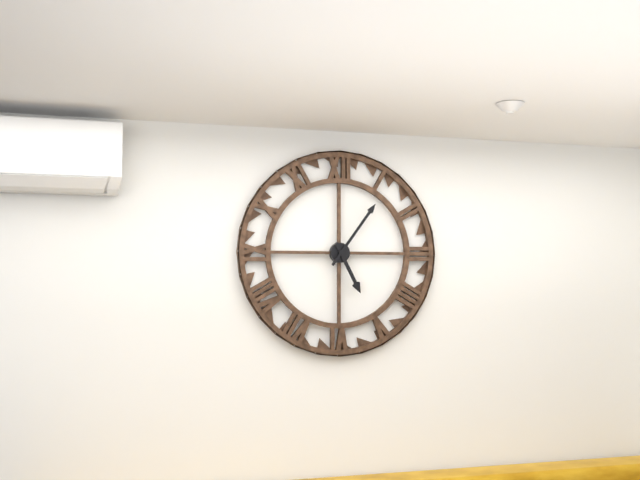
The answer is 5:06
